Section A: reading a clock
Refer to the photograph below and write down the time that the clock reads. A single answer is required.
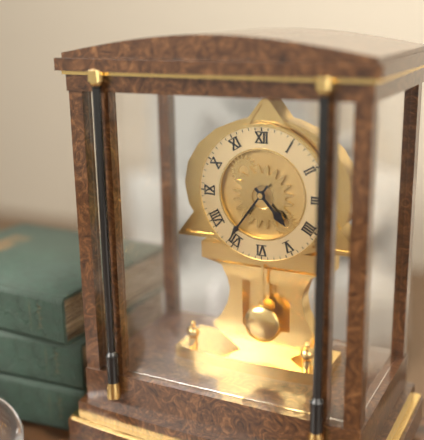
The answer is 4:36
